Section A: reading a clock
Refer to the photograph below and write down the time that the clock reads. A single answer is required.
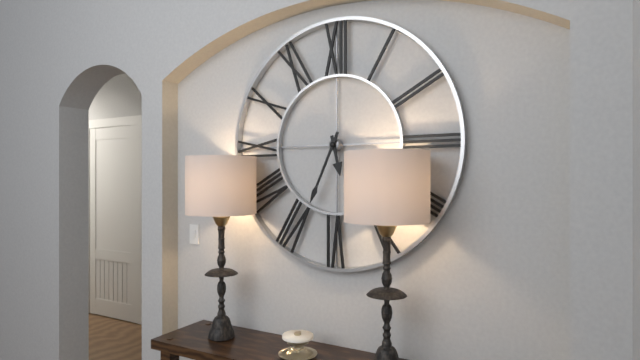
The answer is 5:34
